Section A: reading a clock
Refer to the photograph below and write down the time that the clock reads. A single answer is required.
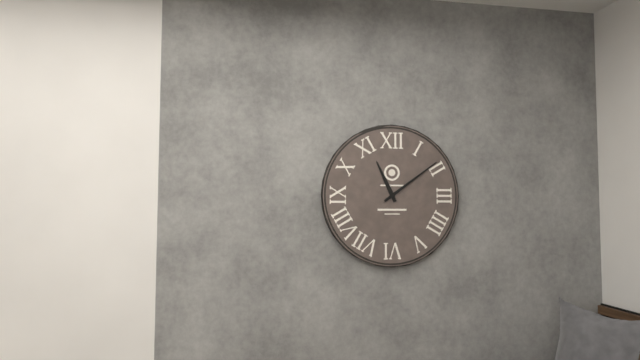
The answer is 11:09
